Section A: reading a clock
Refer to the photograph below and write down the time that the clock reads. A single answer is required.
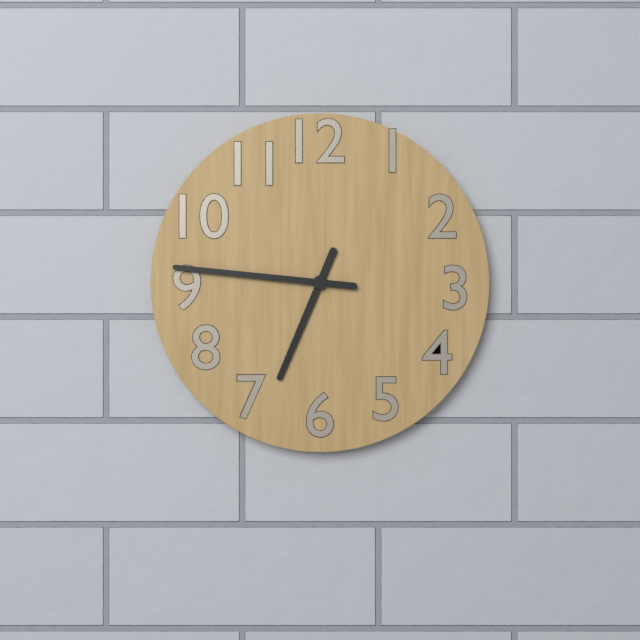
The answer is 6:46
